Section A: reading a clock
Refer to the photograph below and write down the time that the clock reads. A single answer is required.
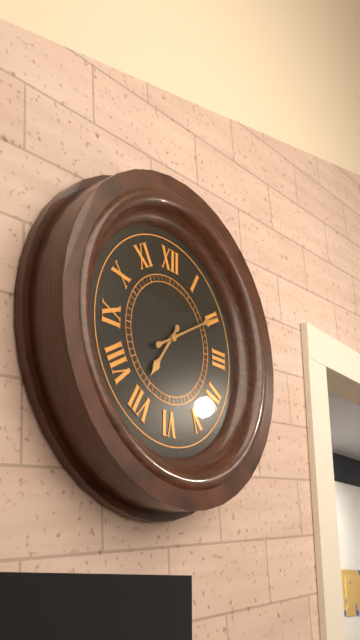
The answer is 7:10
